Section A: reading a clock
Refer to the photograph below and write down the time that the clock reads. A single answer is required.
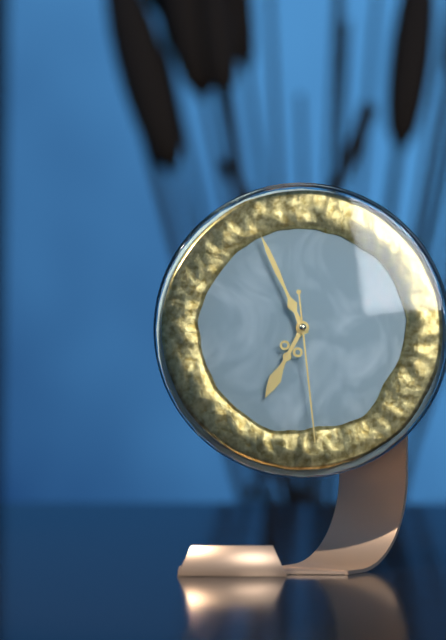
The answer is 6:56:29
